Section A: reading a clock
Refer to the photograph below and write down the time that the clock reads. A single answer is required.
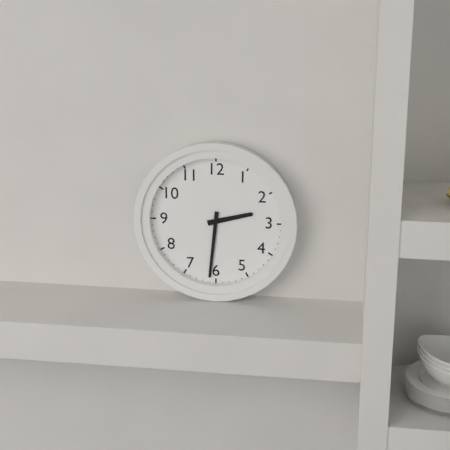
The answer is 2:31
